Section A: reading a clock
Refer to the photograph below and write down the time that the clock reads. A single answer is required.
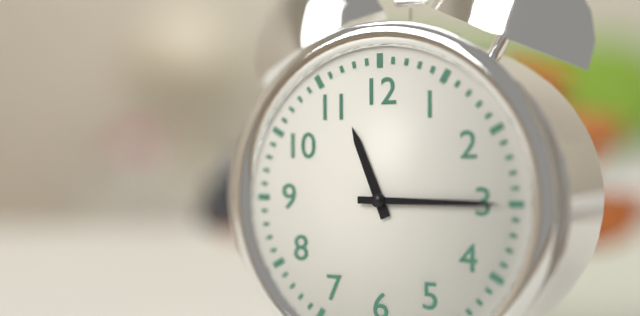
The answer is 11:15
